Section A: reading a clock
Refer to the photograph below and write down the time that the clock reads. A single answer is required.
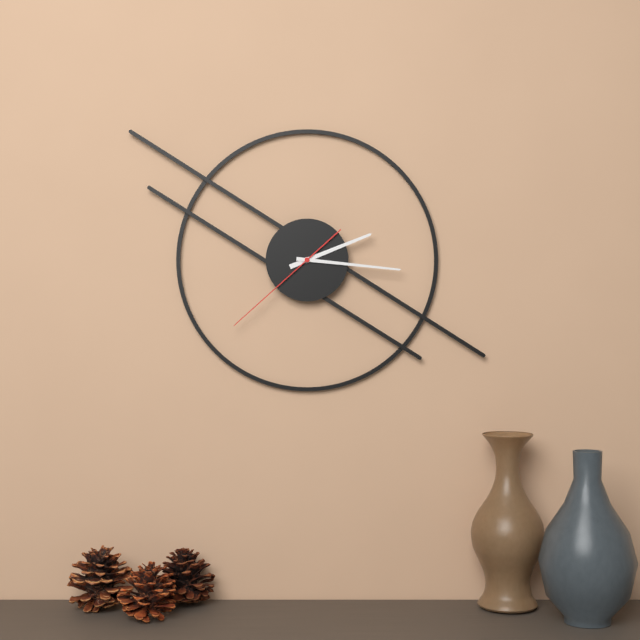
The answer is 2:16:38
